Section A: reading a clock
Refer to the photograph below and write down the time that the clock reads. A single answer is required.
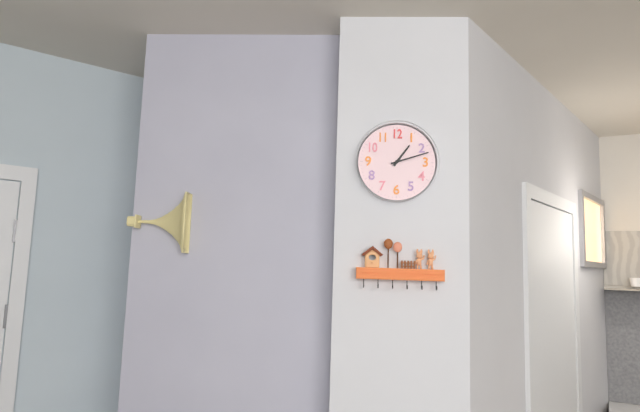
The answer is 1:12
